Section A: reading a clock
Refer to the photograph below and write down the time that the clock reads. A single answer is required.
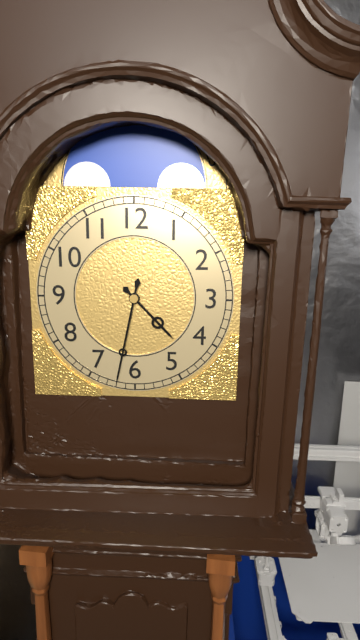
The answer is 4:32
